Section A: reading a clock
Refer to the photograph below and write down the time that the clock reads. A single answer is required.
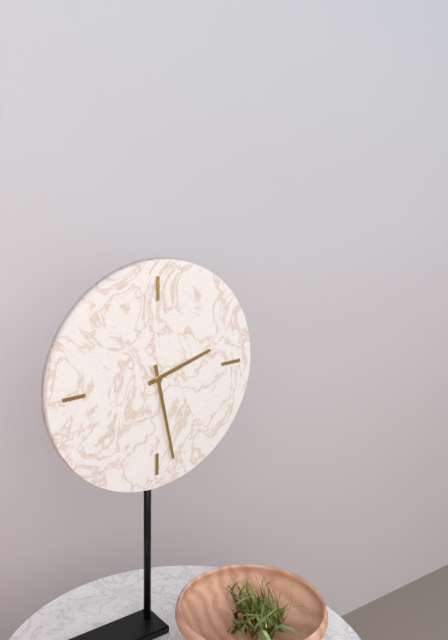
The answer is 2:28
